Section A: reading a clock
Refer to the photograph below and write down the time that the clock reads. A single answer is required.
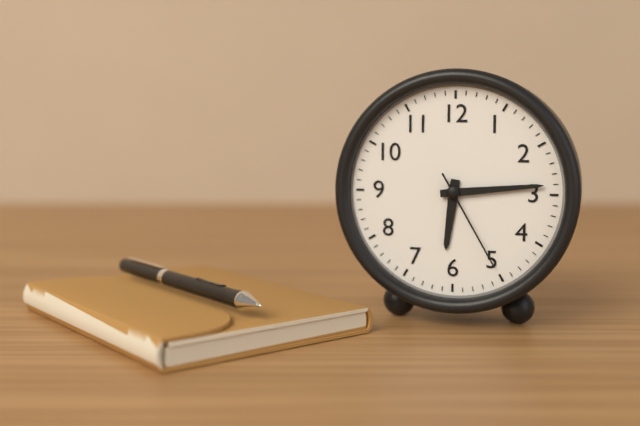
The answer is 6:14:25
